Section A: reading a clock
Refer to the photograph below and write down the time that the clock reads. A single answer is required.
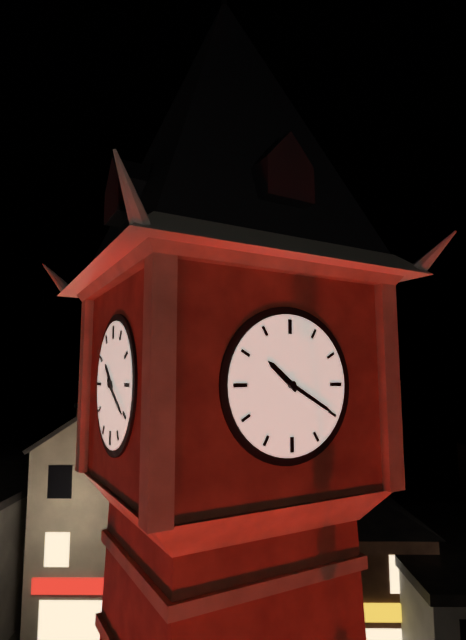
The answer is 10:20
